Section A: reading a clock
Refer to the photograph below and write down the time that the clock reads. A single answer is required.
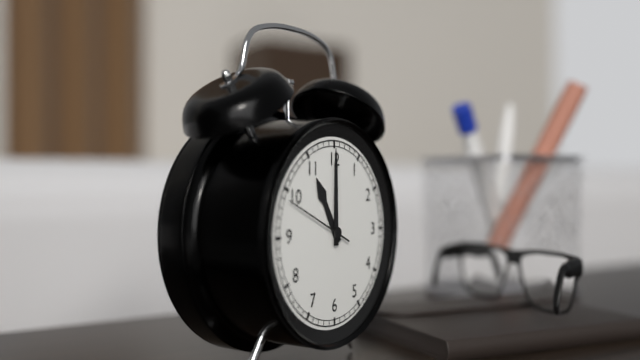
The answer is 11:00:49
